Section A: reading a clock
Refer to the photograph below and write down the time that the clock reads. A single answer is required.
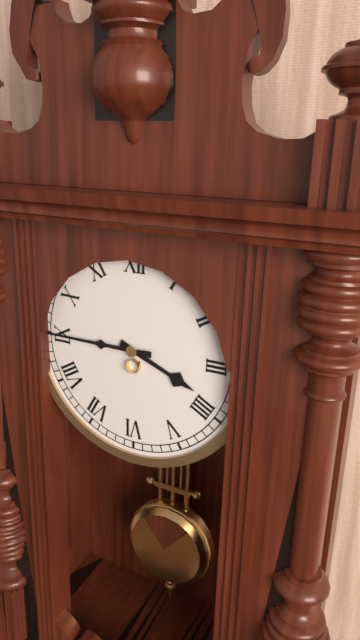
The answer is 3:45
